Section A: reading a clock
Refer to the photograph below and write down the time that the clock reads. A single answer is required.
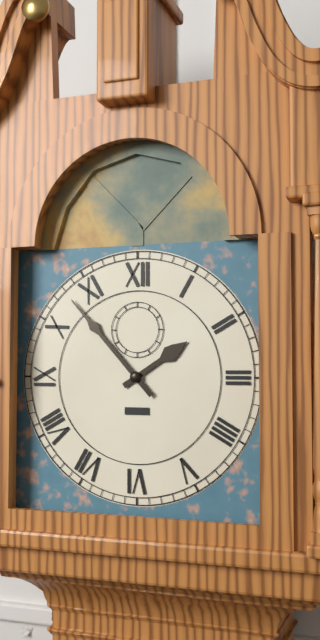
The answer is 1:53
